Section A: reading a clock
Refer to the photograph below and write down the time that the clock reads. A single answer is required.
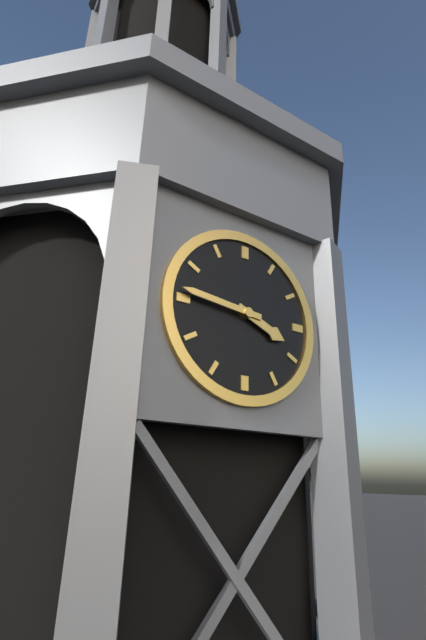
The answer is 3:46
